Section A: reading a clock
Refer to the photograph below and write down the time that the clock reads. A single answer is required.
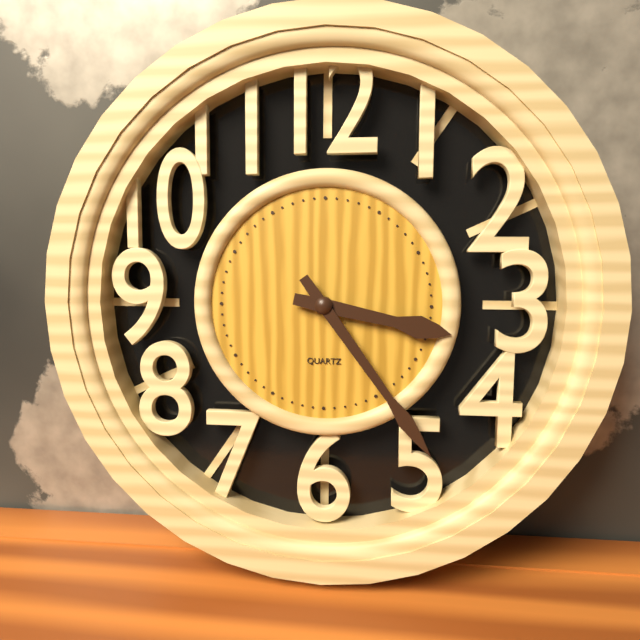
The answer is 3:24
